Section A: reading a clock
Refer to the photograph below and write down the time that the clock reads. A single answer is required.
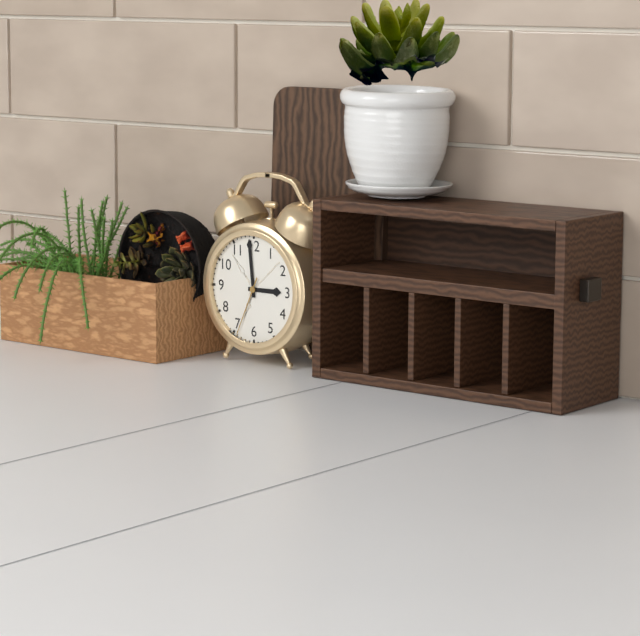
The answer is 2:59:34
